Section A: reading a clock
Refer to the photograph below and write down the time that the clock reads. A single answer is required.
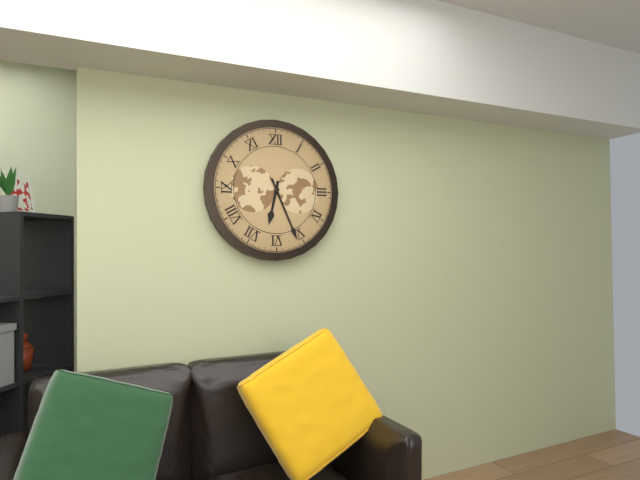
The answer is 6:26
